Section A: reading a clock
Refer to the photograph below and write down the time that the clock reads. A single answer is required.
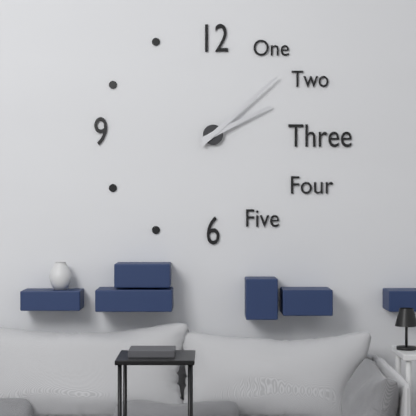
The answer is 2:08
